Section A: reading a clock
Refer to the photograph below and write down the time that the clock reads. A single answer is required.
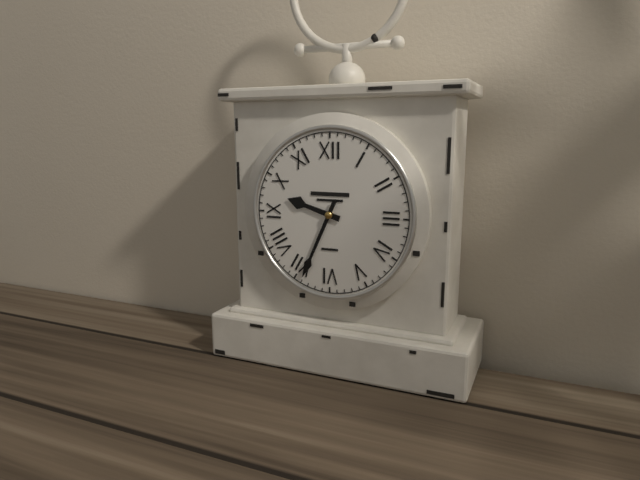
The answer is 9:34
